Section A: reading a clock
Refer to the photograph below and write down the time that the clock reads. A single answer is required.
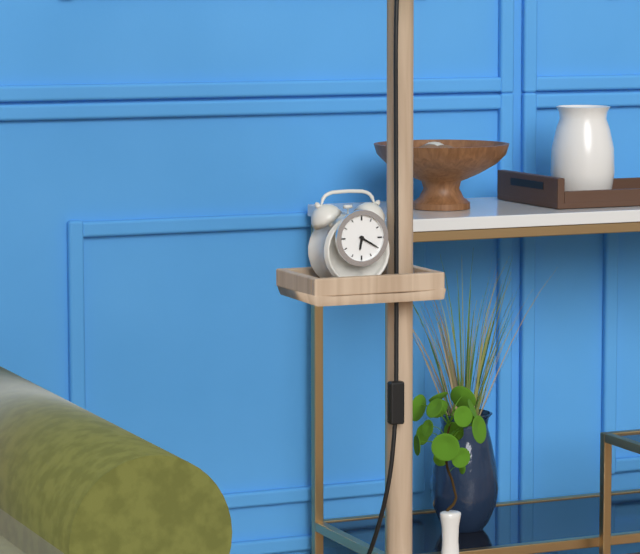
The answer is 6:20
